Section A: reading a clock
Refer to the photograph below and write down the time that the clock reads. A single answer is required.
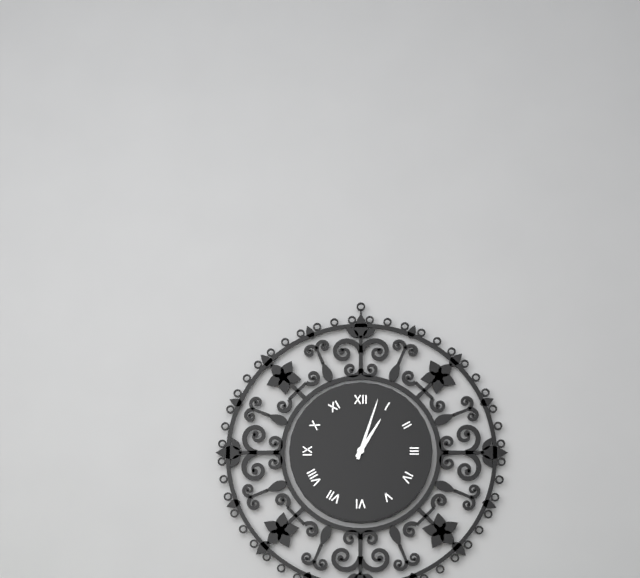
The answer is 1:03
